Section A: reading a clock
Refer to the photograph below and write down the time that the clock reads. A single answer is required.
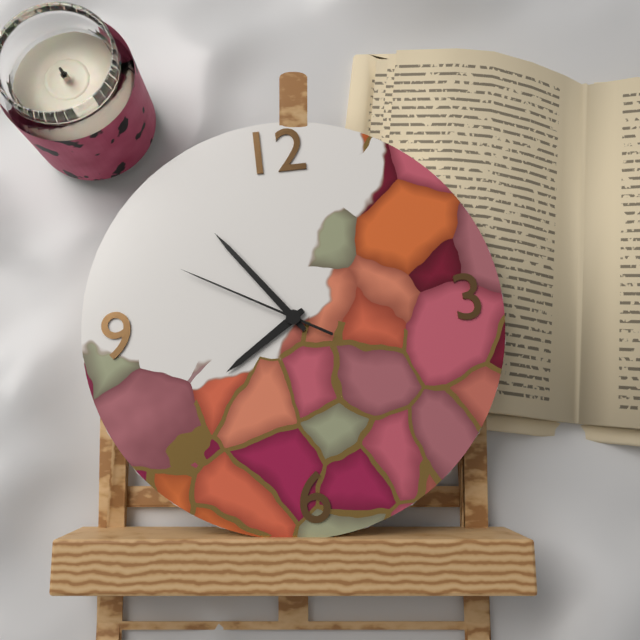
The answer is 7:54:50
